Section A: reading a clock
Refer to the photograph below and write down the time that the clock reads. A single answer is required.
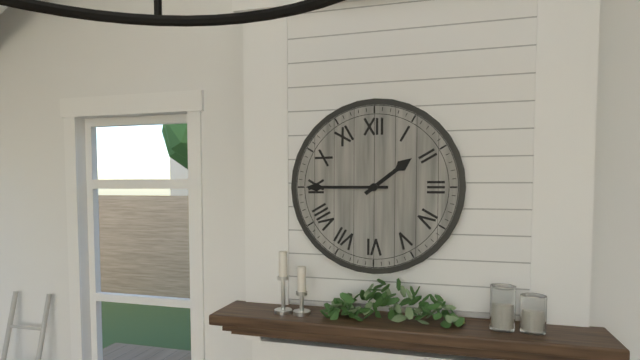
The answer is 1:45
